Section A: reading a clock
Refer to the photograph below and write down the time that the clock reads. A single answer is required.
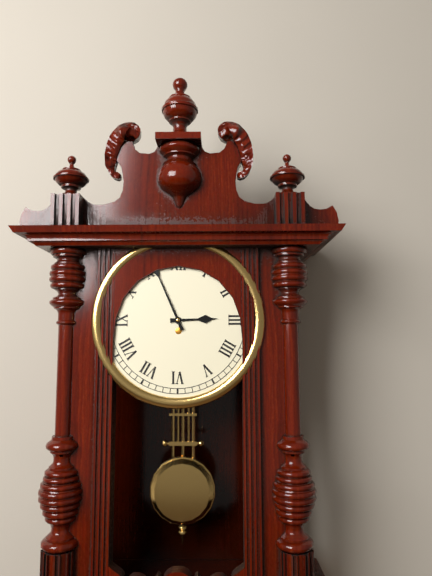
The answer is 2:56
